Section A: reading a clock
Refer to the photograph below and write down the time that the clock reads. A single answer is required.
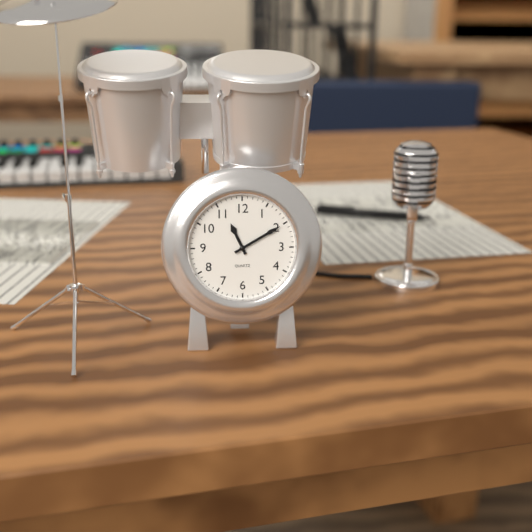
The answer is 11:10
